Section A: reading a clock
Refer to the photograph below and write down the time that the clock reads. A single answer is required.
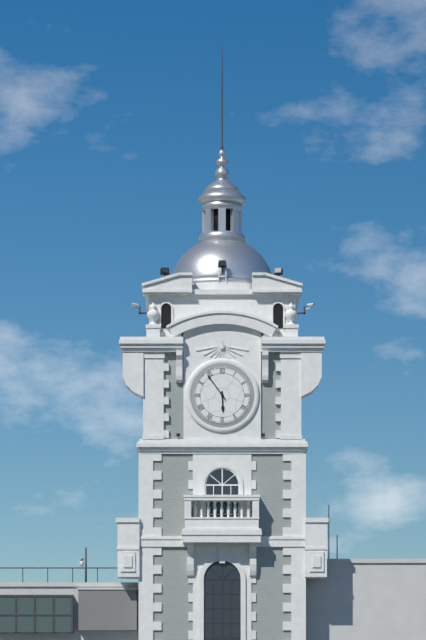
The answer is 5:54
